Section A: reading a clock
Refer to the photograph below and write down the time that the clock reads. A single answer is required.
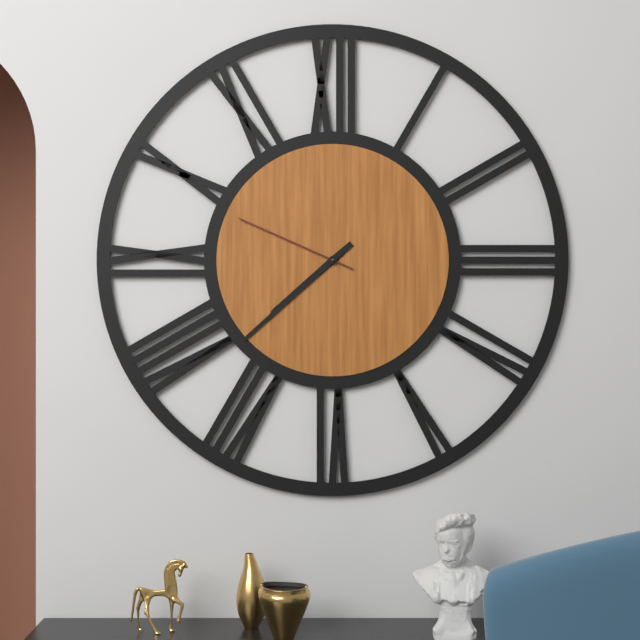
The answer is 7:38:49
